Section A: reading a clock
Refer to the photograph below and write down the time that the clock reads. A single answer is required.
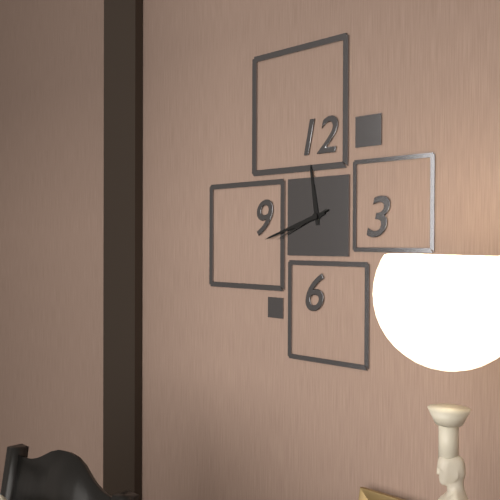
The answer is 11:42:41
